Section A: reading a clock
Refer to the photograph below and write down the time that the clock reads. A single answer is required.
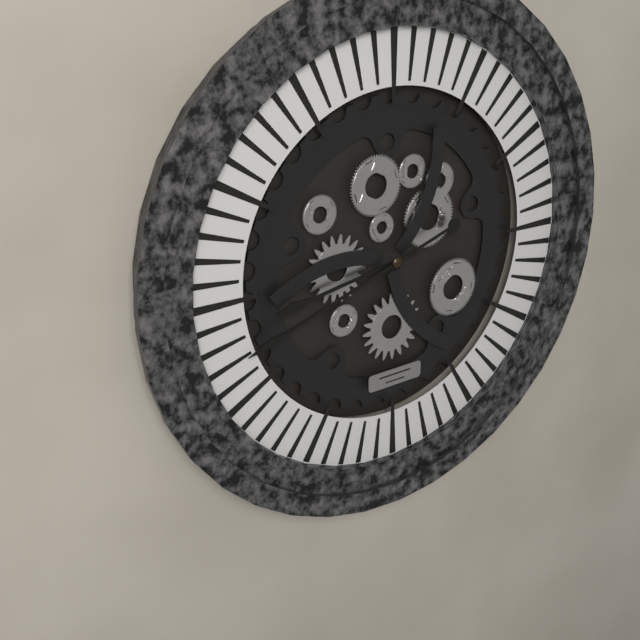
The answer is 8:42
